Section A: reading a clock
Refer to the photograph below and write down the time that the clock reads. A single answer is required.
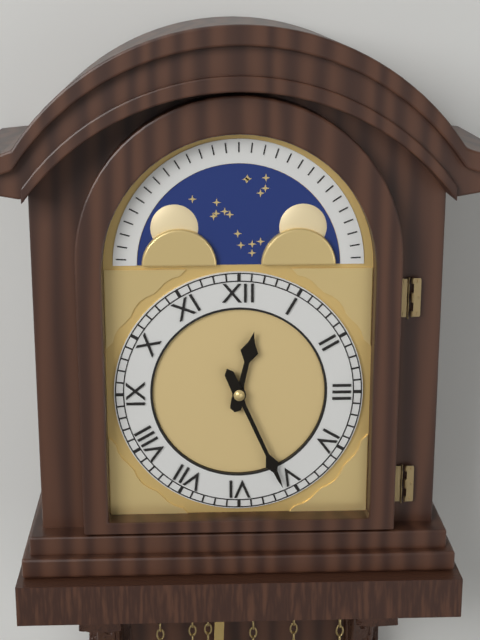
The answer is 12:26
